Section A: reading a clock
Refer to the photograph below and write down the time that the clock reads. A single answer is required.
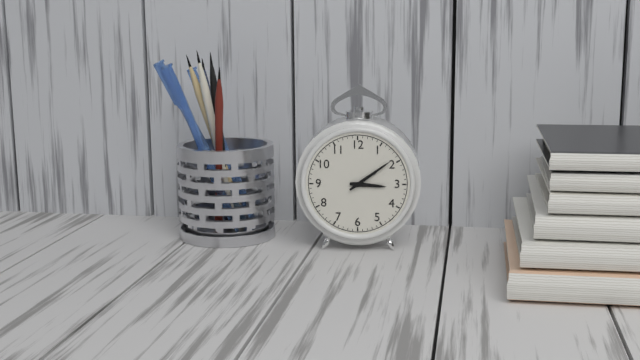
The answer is 3:09
